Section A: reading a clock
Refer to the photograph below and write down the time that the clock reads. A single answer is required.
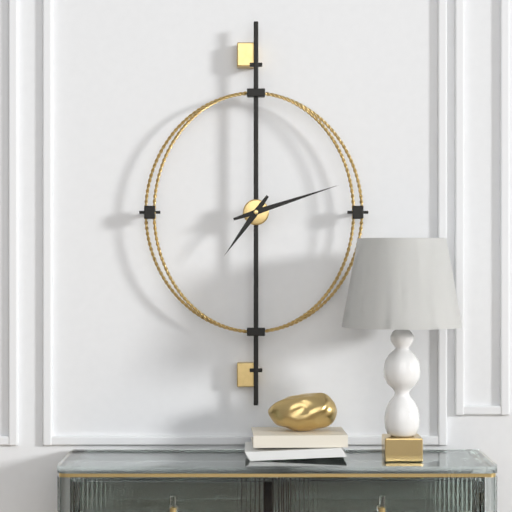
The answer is 7:12
